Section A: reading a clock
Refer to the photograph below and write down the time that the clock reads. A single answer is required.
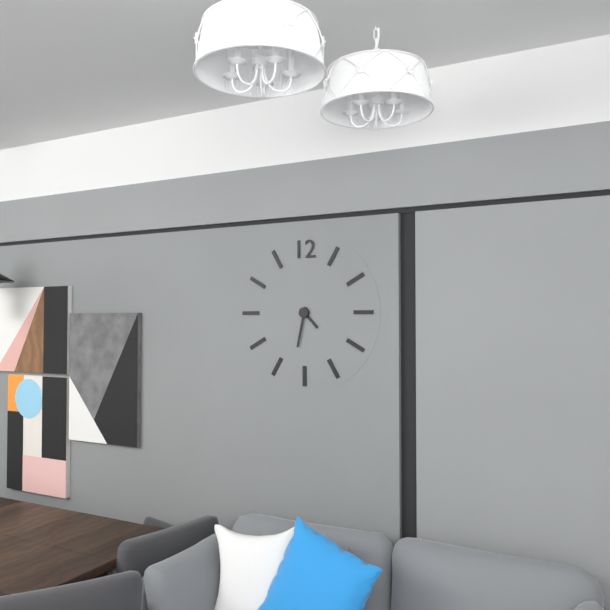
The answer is 4:32
